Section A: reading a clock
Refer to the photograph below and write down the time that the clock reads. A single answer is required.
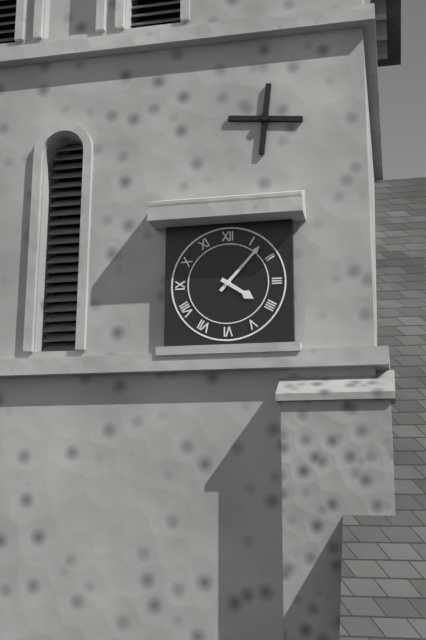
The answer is 4:07
